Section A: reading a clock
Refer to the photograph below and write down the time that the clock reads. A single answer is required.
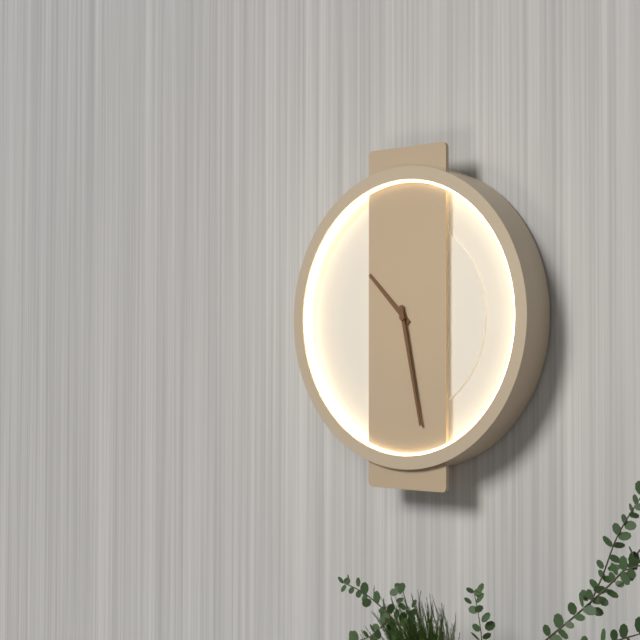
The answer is 10:28
